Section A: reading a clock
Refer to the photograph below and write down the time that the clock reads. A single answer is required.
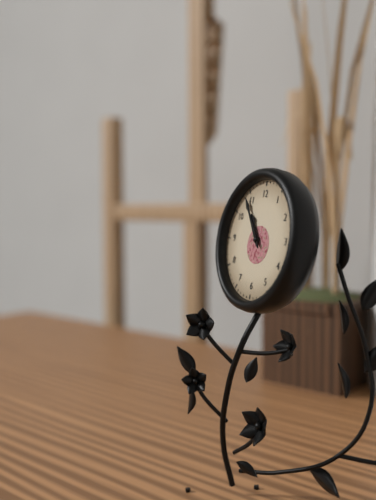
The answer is 10:54
